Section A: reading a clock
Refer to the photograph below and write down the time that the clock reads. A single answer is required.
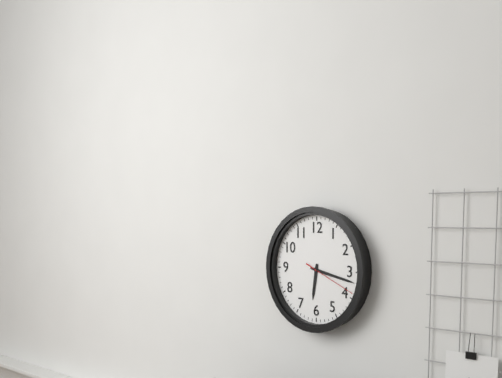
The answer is 6:17:19
